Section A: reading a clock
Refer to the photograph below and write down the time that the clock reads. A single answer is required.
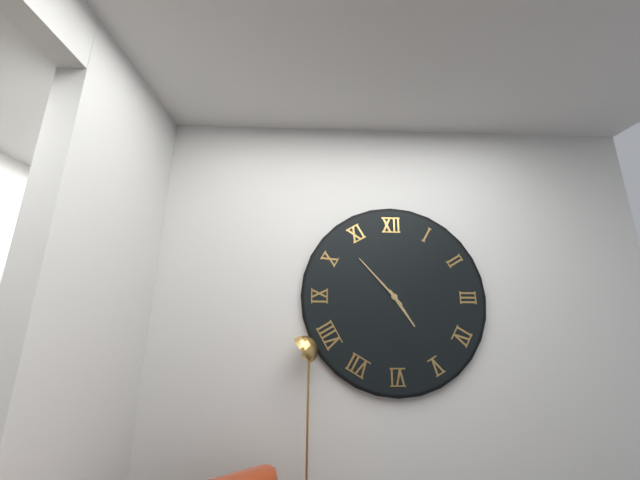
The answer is 4:53
